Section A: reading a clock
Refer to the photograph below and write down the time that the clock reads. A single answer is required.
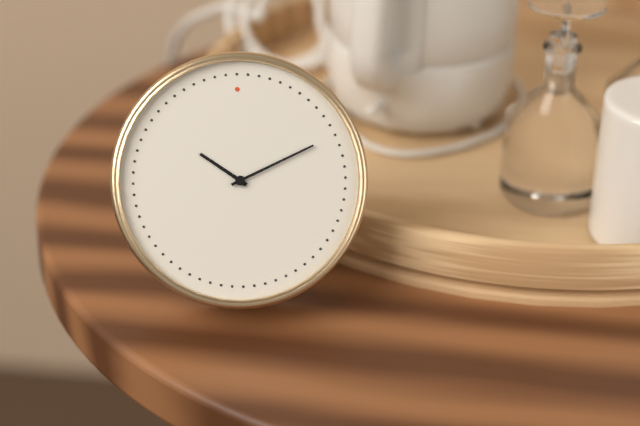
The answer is 10:11
